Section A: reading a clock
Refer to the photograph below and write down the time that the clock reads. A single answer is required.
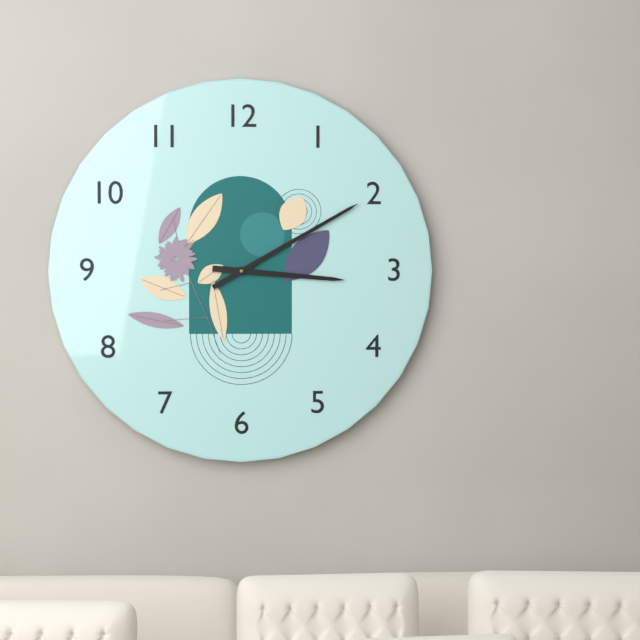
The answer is 3:10
